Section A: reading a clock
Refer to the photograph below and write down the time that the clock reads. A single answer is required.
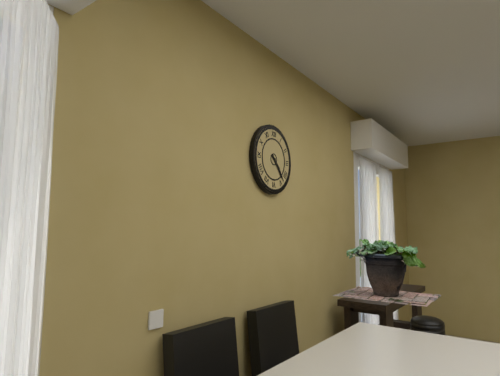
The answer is 4:23
